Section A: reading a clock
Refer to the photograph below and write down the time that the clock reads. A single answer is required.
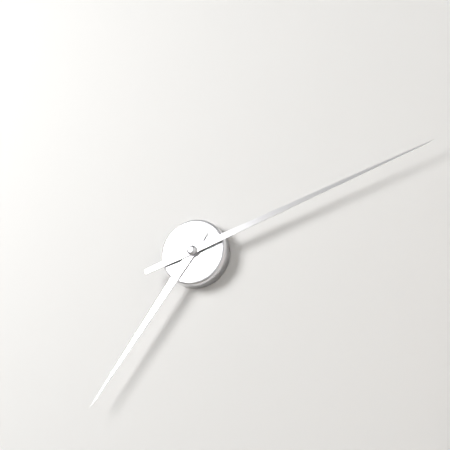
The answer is 7:12
